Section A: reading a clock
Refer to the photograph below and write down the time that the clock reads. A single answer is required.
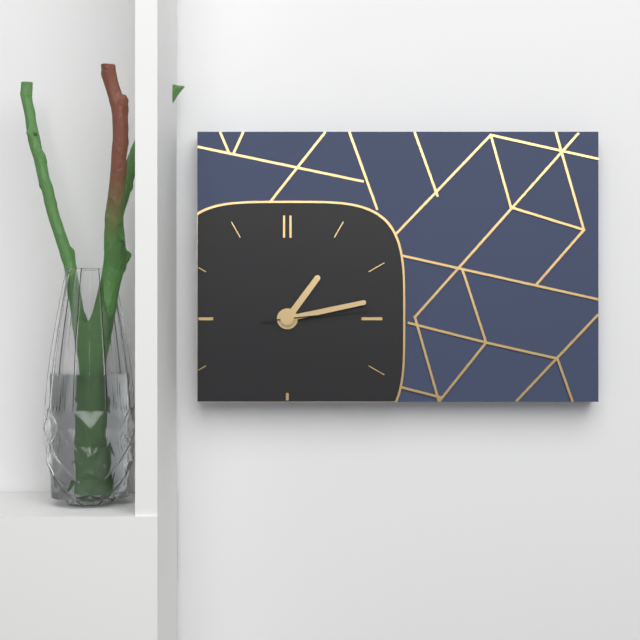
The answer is 1:13:14
